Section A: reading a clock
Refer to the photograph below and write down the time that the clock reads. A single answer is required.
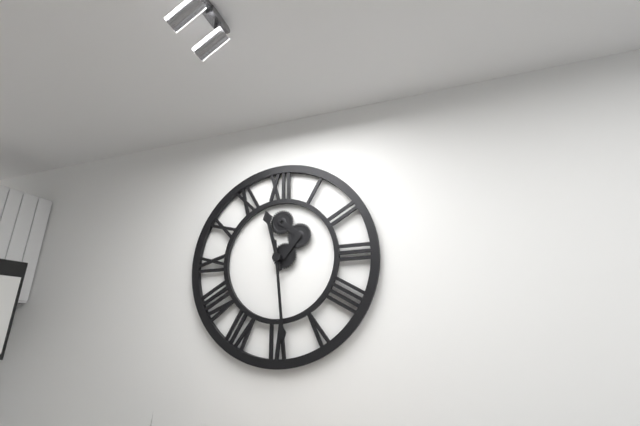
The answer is 11:29
